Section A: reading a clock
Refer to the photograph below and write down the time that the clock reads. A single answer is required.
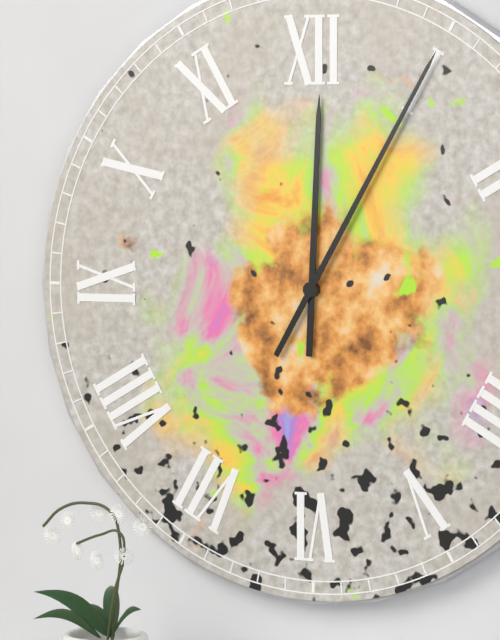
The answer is 12:05
